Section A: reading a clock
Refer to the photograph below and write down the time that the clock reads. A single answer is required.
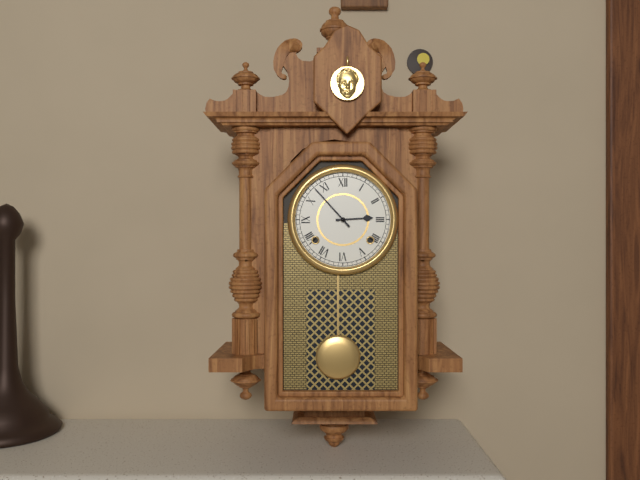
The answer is 2:53
